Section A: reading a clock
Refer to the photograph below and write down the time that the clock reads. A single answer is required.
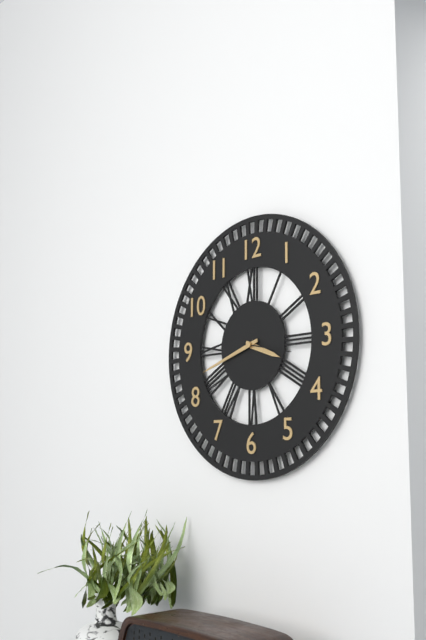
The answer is 3:42
